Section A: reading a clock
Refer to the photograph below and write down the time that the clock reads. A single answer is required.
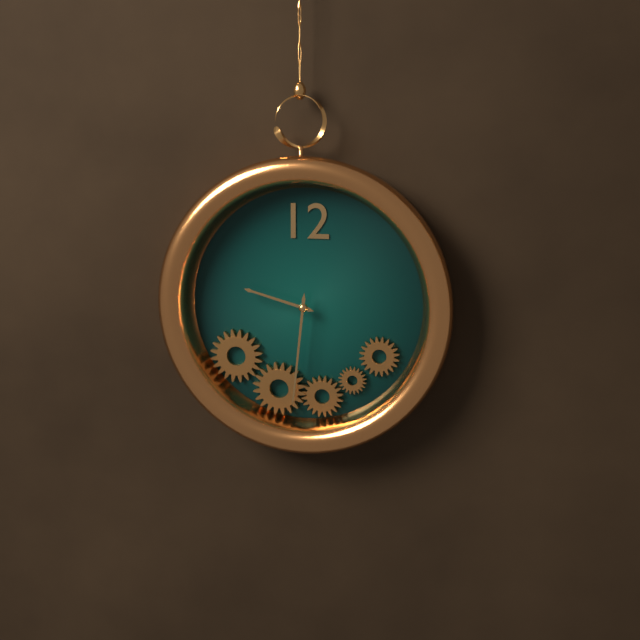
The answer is 9:31
